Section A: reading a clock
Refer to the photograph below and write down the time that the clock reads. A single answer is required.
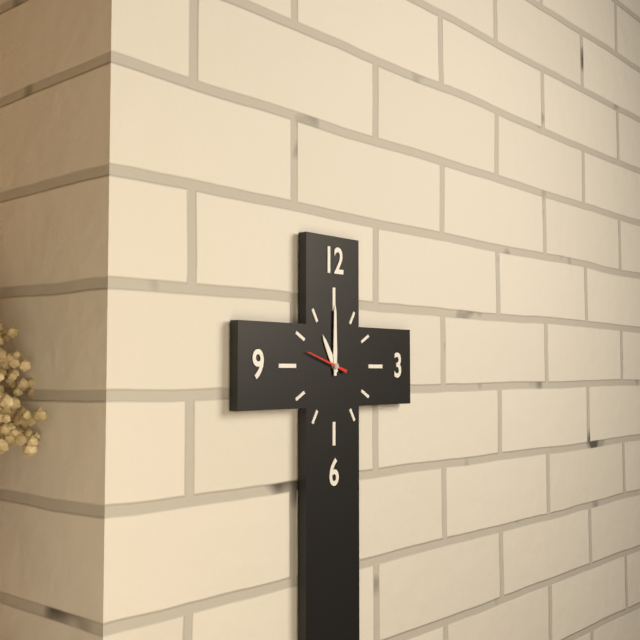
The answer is 11:00
